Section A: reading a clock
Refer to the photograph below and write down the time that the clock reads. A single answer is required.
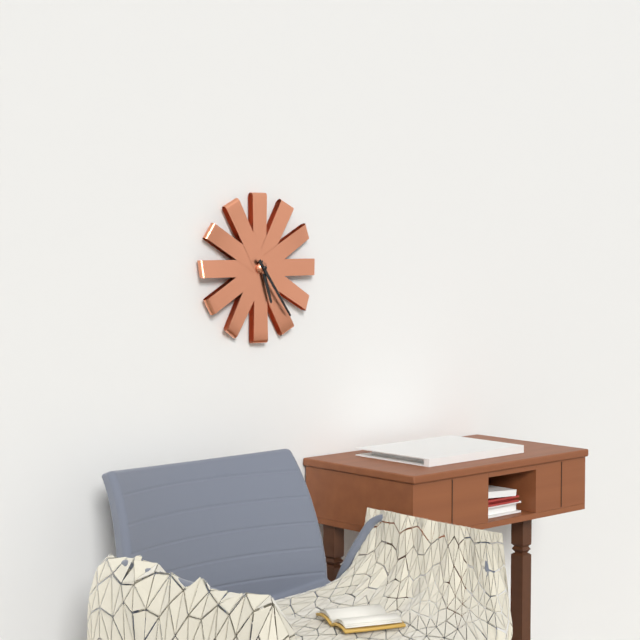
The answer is 5:24
